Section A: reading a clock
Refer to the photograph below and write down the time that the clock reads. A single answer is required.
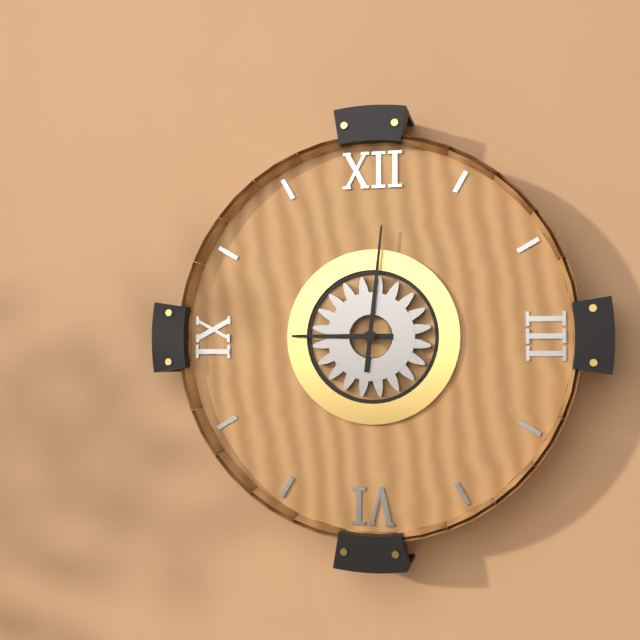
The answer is 9:01
